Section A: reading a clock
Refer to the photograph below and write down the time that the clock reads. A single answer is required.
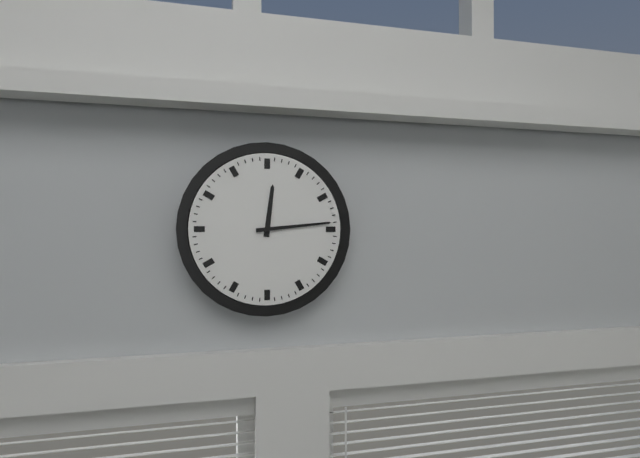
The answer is 12:14
